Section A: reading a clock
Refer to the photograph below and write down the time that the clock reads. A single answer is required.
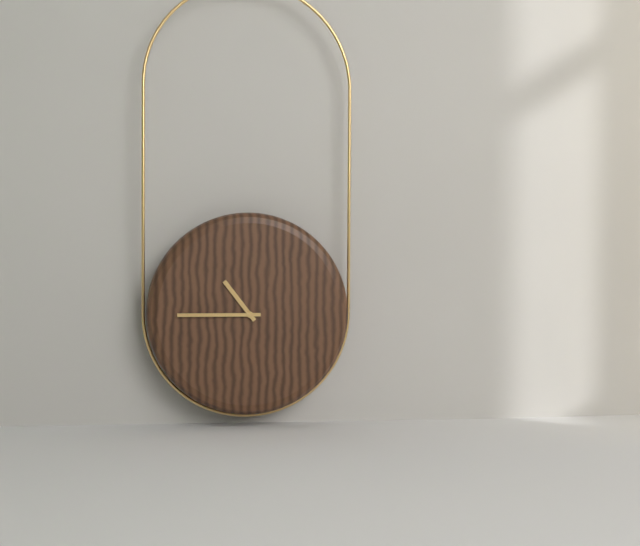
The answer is 10:45
